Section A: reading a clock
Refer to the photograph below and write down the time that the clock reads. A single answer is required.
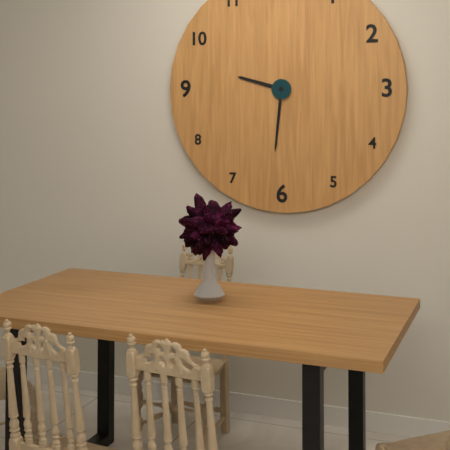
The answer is 9:31
